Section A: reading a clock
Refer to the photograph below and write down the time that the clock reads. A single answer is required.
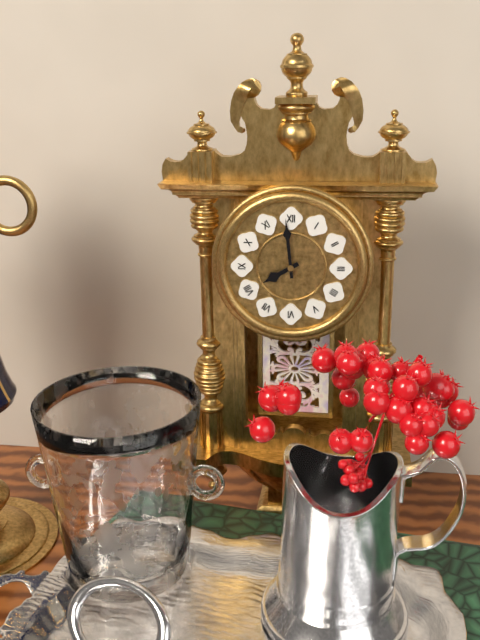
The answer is 7:59
